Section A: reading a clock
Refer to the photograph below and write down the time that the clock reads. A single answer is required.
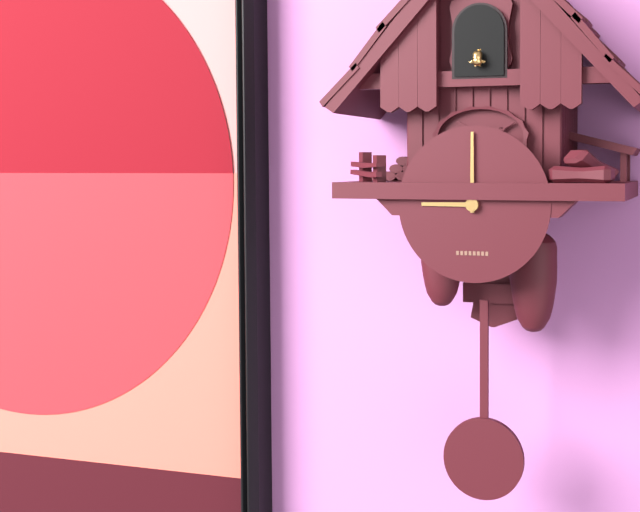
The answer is 9:00
